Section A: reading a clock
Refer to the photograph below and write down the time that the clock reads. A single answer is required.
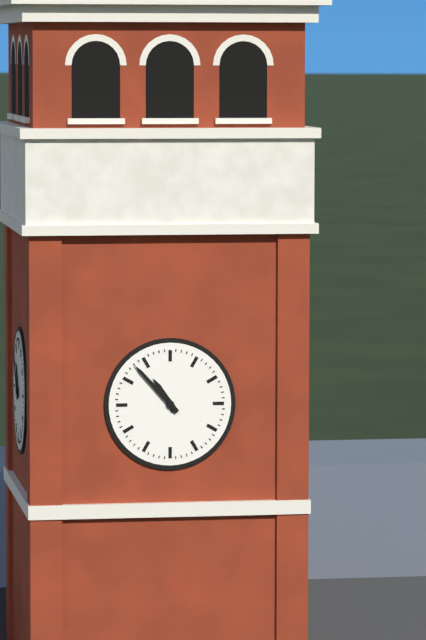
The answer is 10:53
